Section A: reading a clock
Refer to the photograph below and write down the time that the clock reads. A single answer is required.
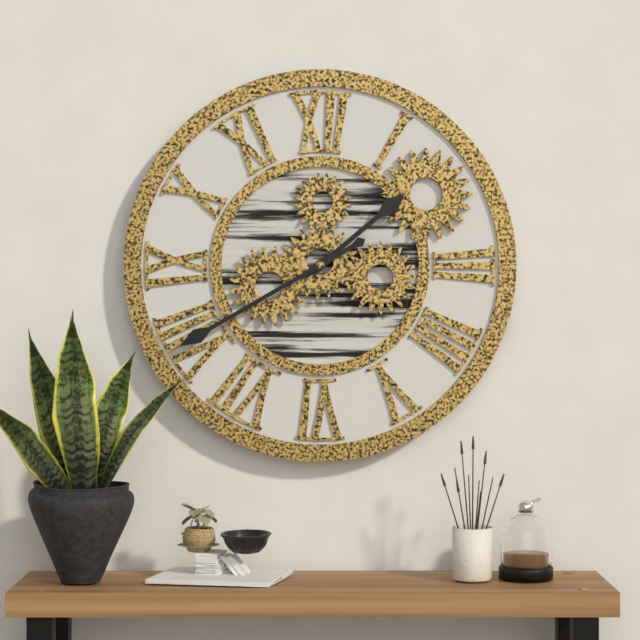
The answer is 1:40
